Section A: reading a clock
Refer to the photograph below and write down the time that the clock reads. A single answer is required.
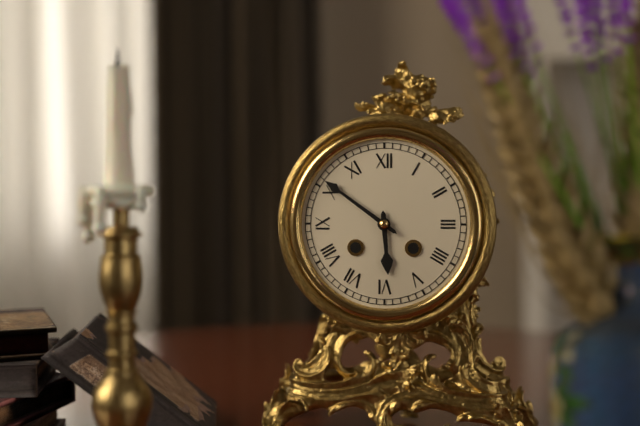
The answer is 5:51
